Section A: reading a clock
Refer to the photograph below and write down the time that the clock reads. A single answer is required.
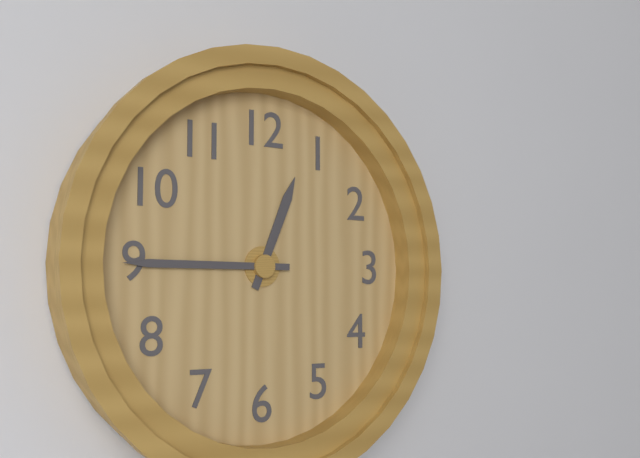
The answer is 12:45
